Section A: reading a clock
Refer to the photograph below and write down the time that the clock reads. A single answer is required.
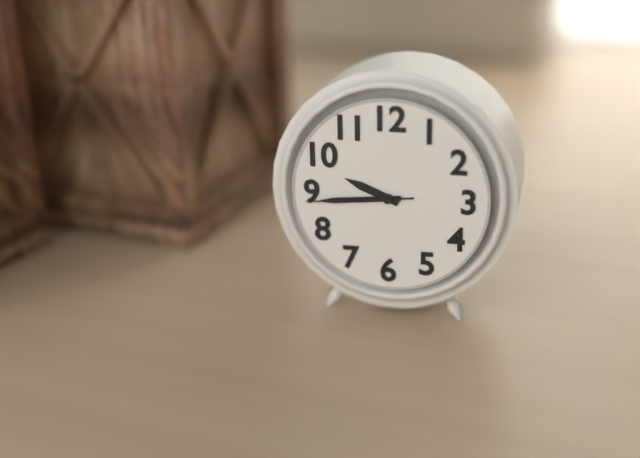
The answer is 9:44:44
